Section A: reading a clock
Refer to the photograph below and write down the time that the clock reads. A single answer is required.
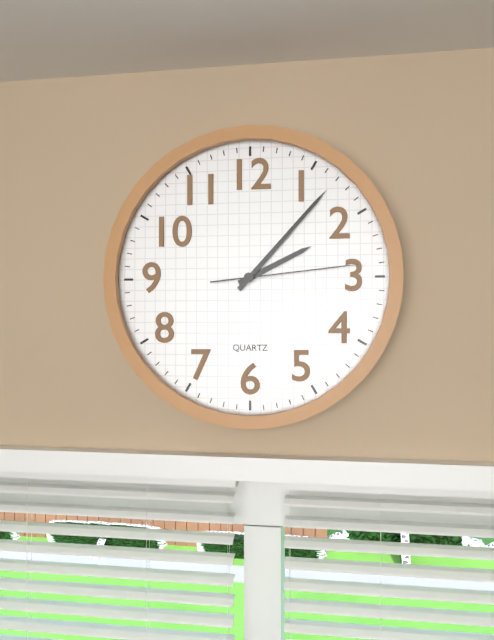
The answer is 2:07:14
